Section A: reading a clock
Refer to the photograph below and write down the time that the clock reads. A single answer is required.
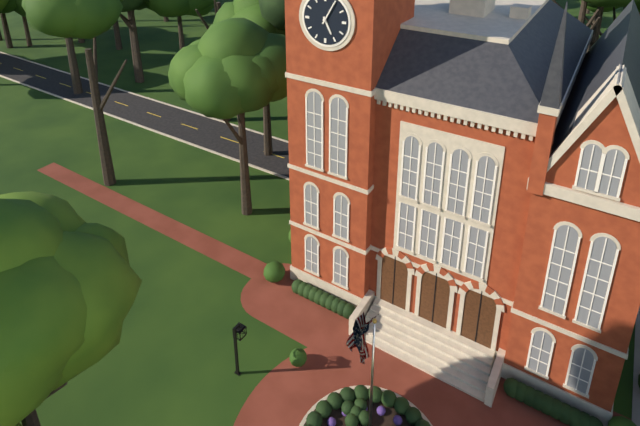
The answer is 5:05
